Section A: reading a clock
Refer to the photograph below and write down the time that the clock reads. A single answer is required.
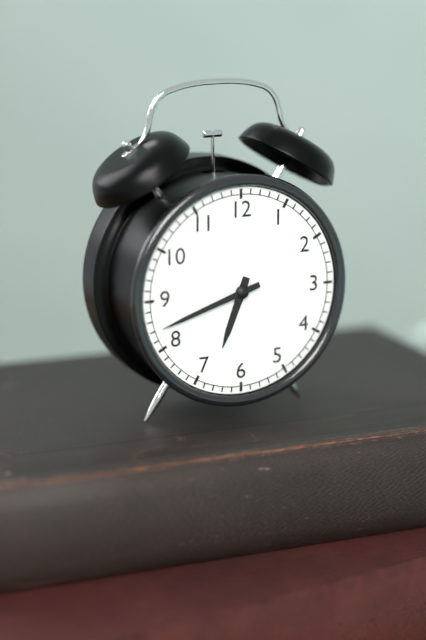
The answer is 6:42
